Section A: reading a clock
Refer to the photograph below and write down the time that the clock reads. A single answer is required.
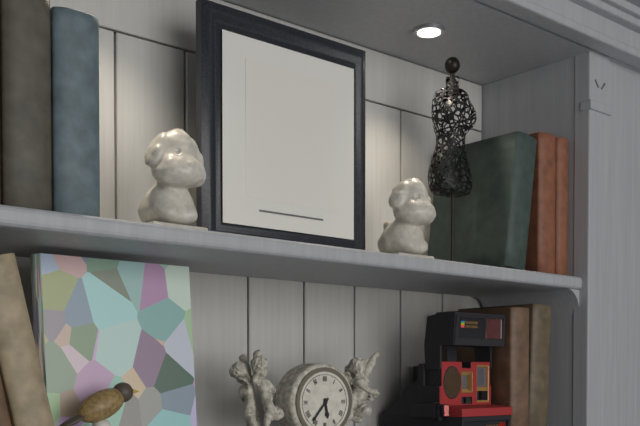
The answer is 5:37
